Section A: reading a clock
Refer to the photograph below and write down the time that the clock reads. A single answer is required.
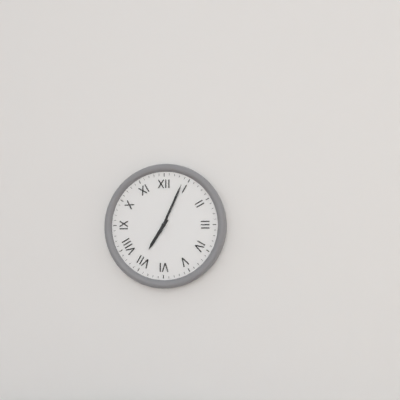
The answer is 7:04
